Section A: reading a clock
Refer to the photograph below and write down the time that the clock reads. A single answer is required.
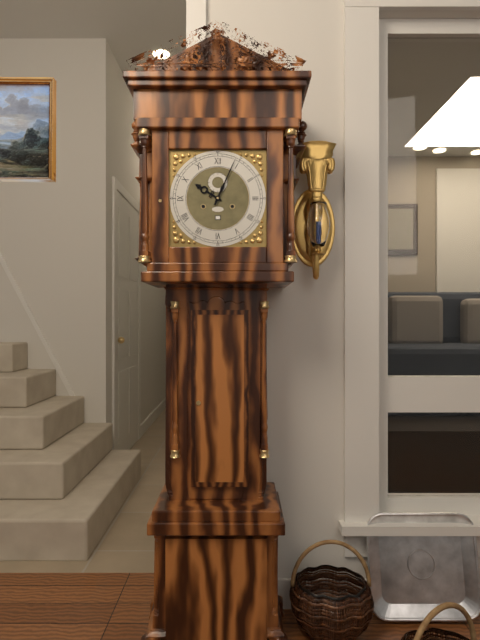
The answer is 10:04
